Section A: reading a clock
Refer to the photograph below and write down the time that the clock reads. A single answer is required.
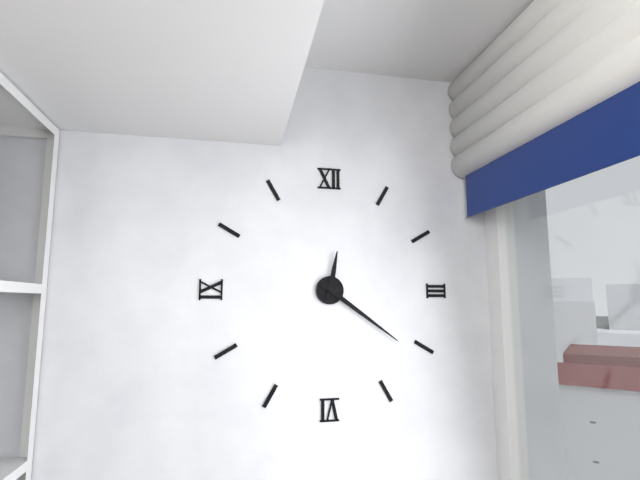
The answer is 12:21
